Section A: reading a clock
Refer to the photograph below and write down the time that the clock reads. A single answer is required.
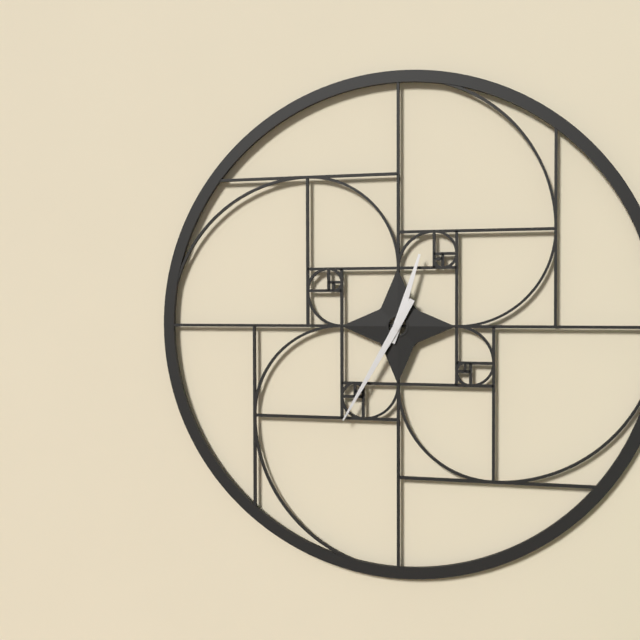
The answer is 12:35
